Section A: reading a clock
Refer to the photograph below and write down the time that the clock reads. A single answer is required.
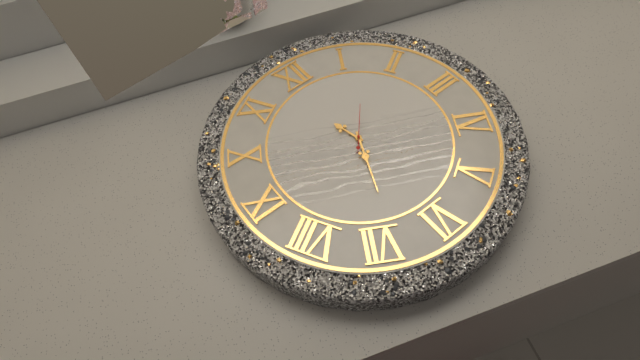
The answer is 11:34
